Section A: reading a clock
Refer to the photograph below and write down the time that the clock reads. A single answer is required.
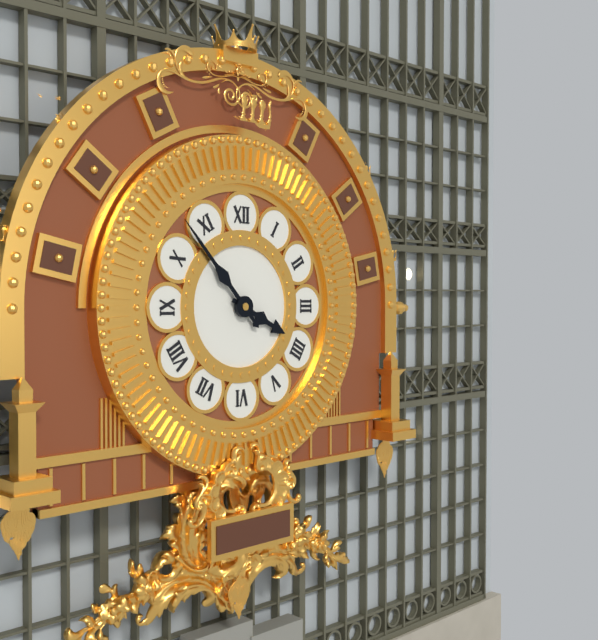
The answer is 3:53
